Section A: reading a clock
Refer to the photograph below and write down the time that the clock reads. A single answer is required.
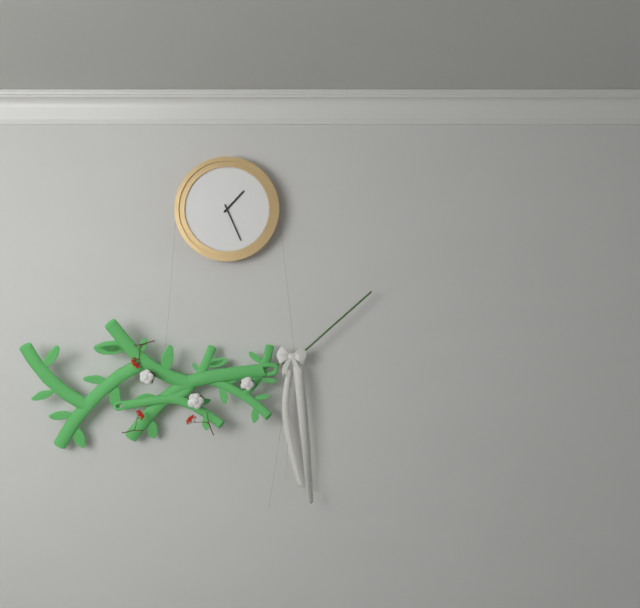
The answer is 1:26
